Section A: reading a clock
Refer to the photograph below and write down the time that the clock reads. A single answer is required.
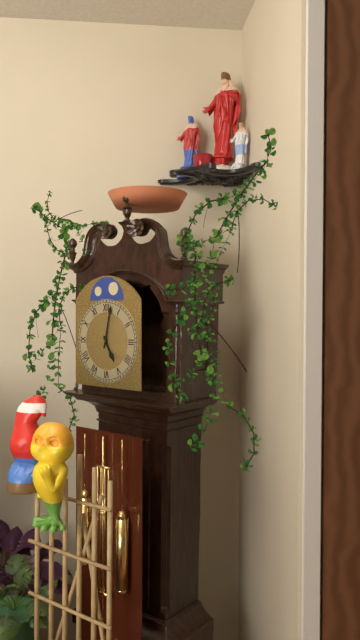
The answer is 5:02
